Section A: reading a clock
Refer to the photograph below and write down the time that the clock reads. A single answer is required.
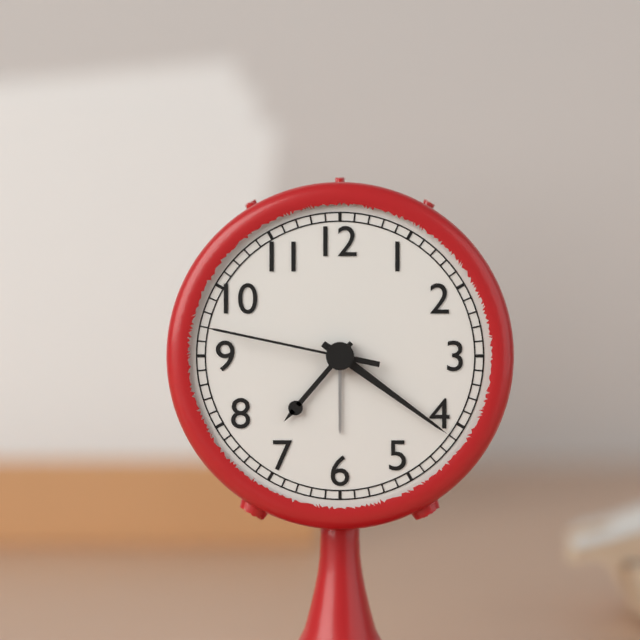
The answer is 7:21:47
